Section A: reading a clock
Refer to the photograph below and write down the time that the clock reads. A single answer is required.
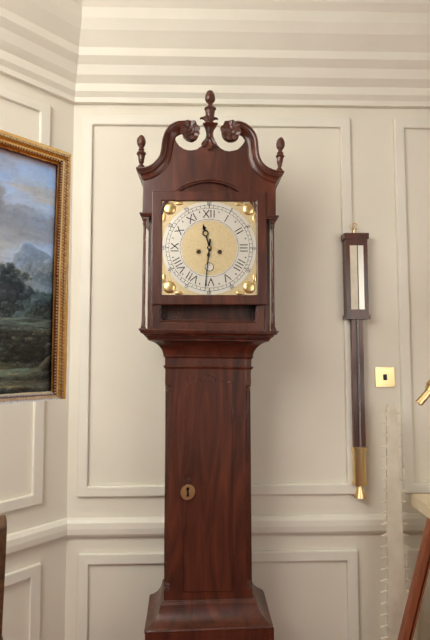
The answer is 11:31
